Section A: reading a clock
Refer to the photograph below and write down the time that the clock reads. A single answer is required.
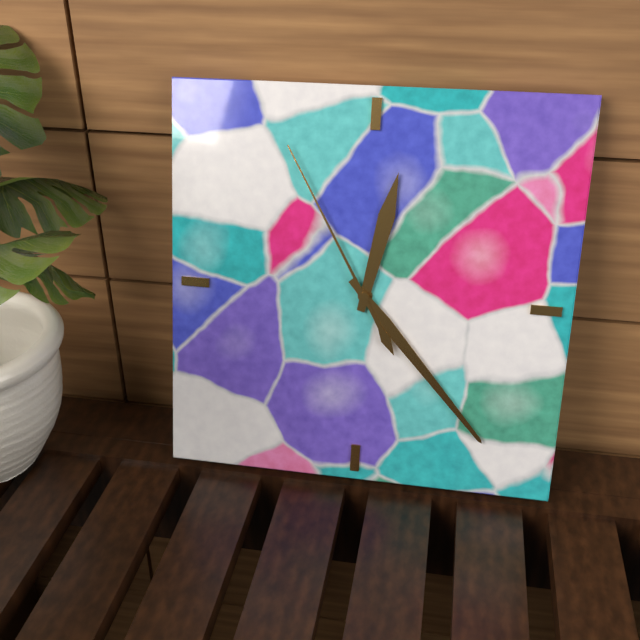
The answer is 12:23:55
